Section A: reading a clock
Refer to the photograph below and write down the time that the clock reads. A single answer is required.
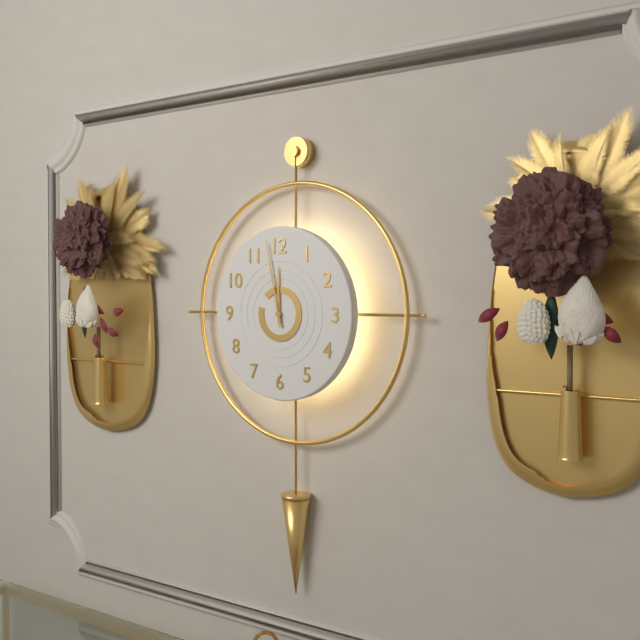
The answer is 11:58
